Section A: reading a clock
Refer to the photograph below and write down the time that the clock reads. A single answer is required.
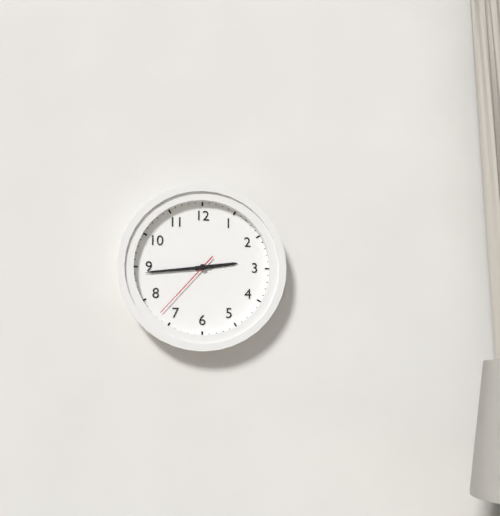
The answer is 2:44:37
